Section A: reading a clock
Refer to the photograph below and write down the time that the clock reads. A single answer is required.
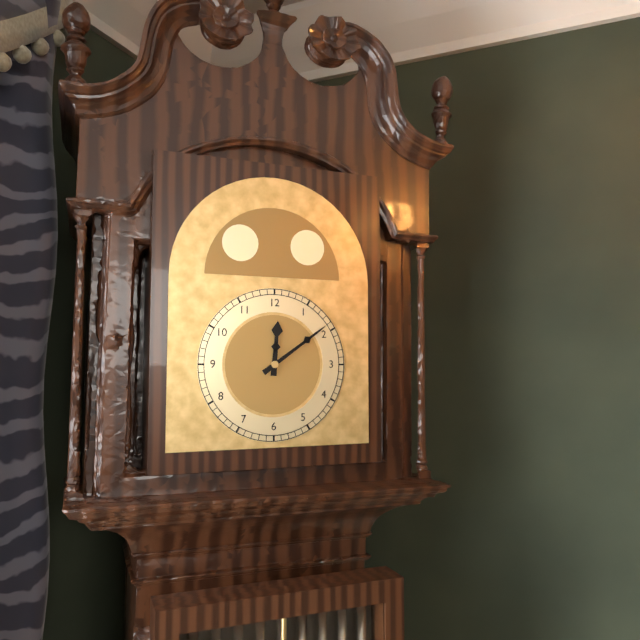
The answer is 12:09
